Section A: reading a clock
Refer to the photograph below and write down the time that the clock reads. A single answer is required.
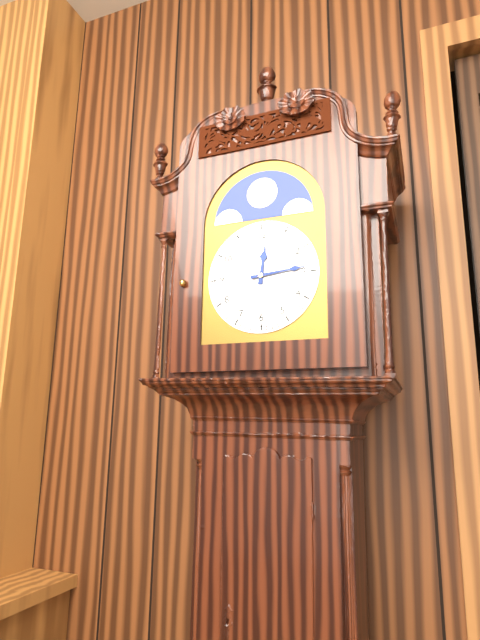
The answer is 12:14
